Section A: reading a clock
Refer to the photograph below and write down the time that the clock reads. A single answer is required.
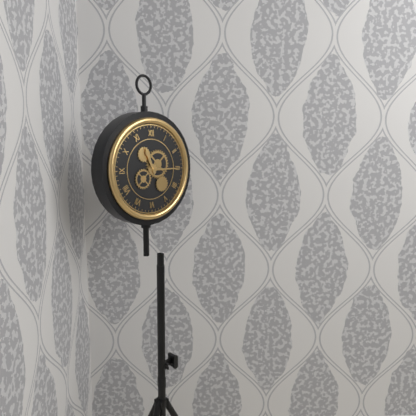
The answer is 11:15
